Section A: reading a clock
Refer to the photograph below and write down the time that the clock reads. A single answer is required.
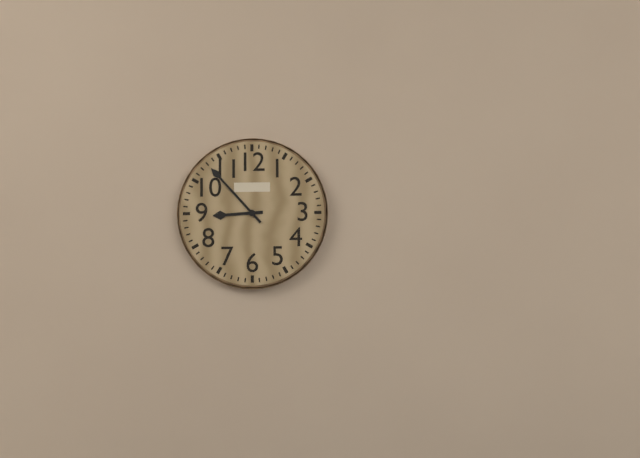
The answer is 8:53
